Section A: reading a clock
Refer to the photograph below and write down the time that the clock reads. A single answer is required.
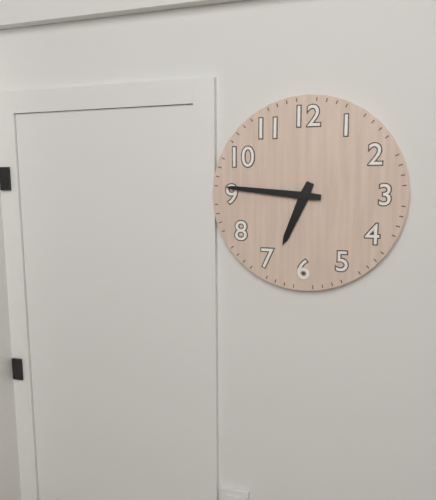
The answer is 6:46
